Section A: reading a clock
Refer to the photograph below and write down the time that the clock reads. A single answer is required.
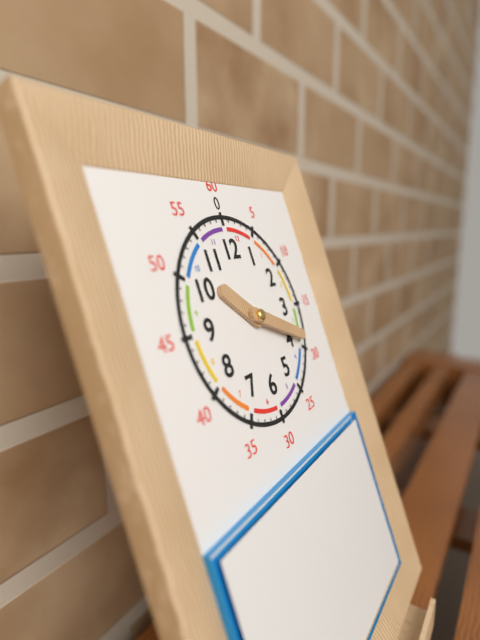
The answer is 10:19
